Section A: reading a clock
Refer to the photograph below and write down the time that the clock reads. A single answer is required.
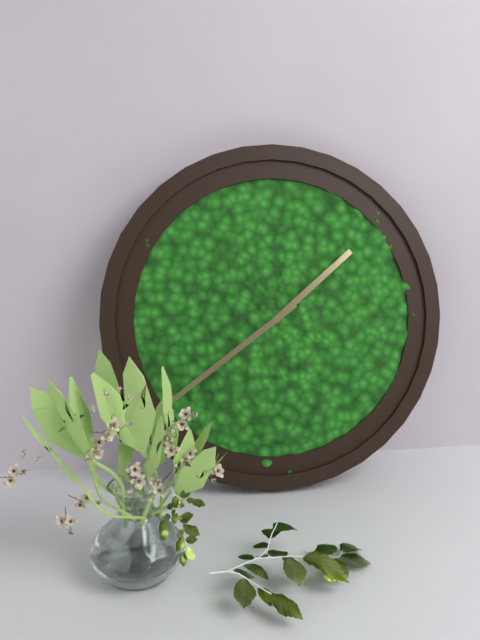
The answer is 1:39
